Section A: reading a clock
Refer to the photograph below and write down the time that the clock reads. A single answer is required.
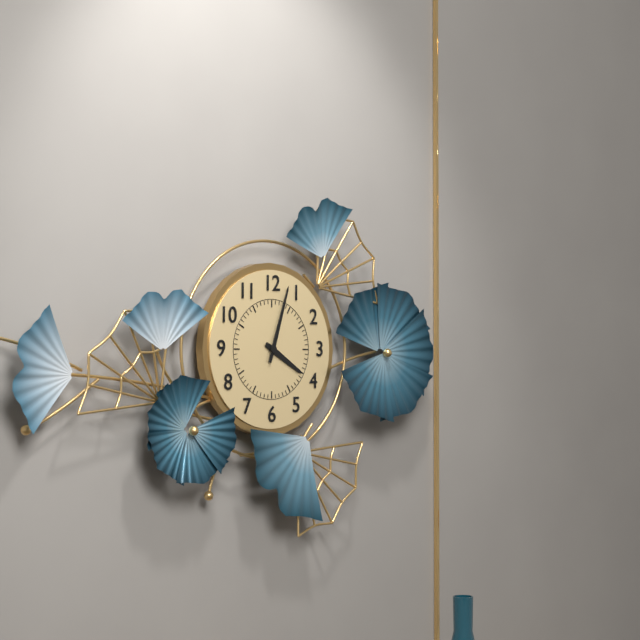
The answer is 4:03
